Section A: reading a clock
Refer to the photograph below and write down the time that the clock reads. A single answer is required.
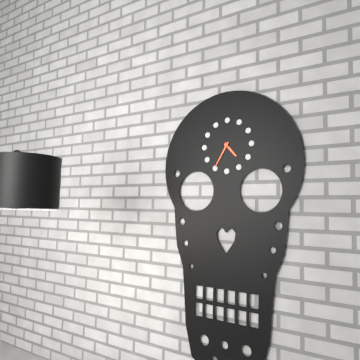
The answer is 4:35
